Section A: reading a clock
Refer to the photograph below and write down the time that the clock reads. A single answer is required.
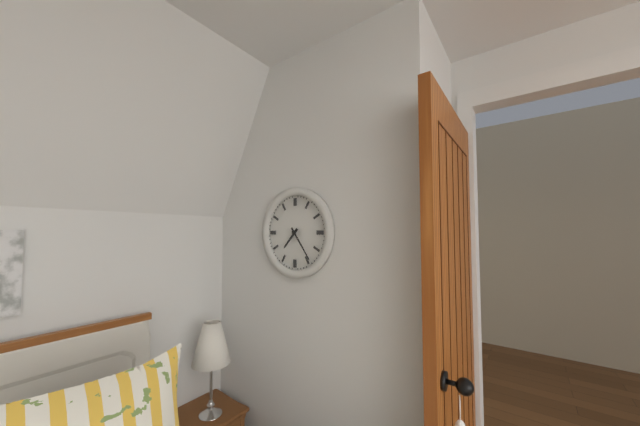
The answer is 7:24
